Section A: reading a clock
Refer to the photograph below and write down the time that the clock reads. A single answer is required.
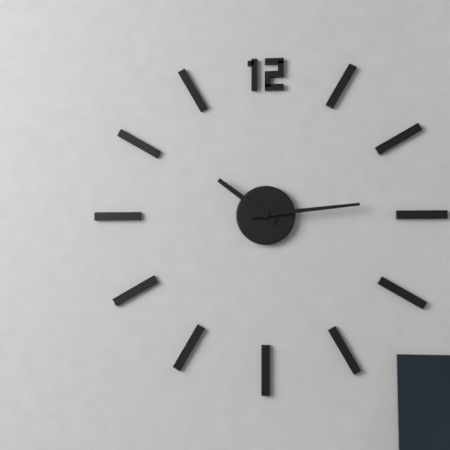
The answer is 10:14
